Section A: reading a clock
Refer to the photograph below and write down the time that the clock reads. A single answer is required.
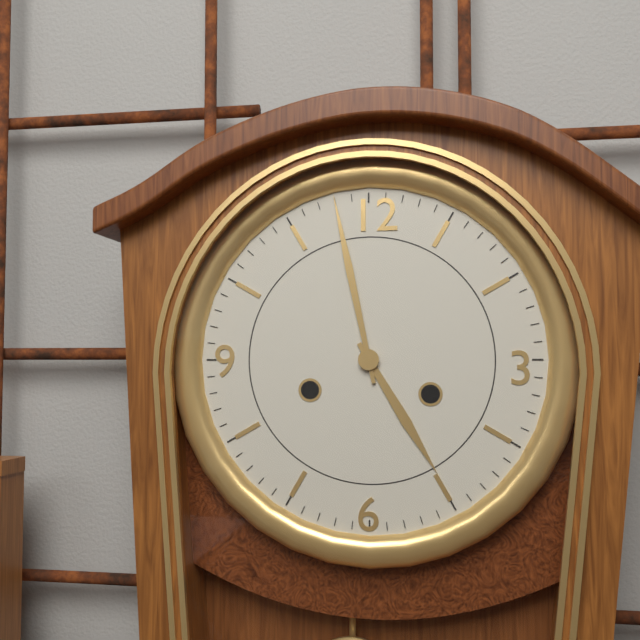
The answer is 4:58
